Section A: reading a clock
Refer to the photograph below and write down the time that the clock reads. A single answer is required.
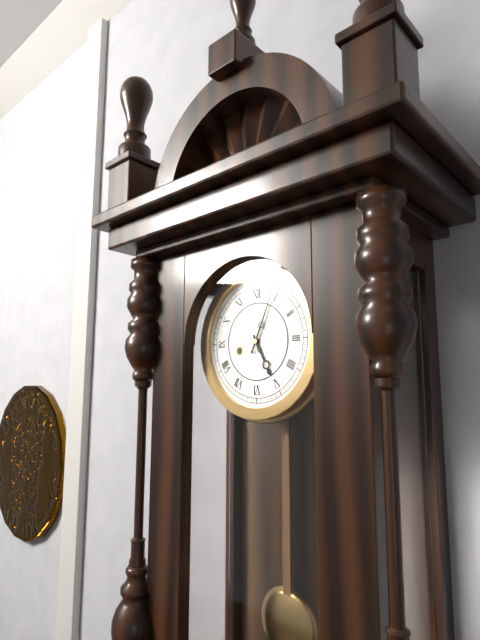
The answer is 5:04
